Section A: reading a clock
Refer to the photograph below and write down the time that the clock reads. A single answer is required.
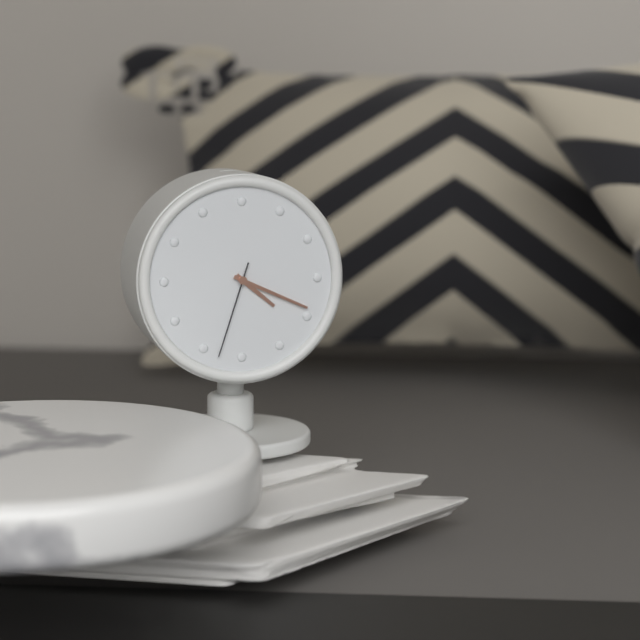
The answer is 4:19:33
